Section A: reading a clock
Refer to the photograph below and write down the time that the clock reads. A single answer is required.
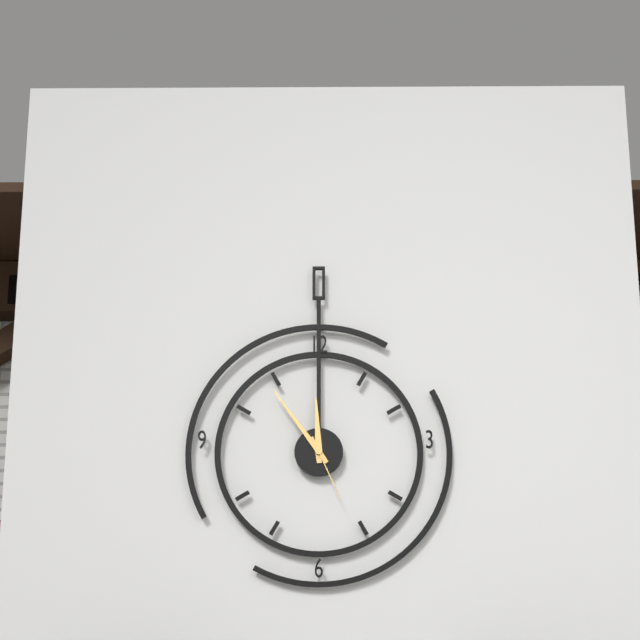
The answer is 11:54:26
